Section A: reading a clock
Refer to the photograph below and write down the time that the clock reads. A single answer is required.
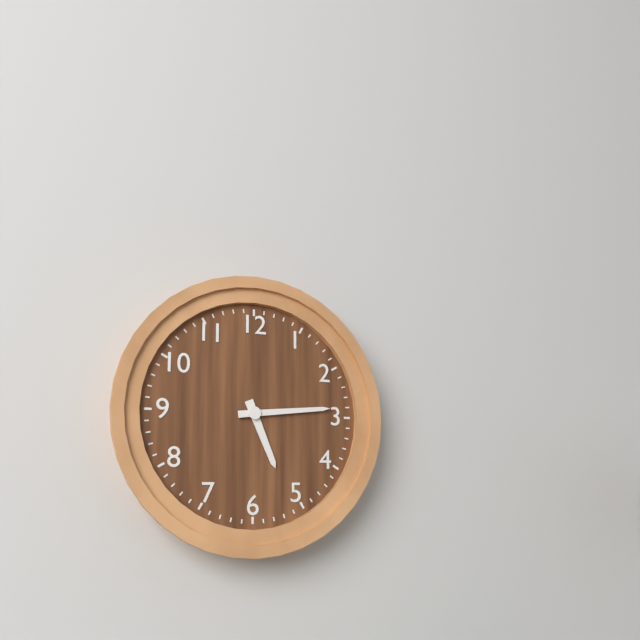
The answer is 5:14
